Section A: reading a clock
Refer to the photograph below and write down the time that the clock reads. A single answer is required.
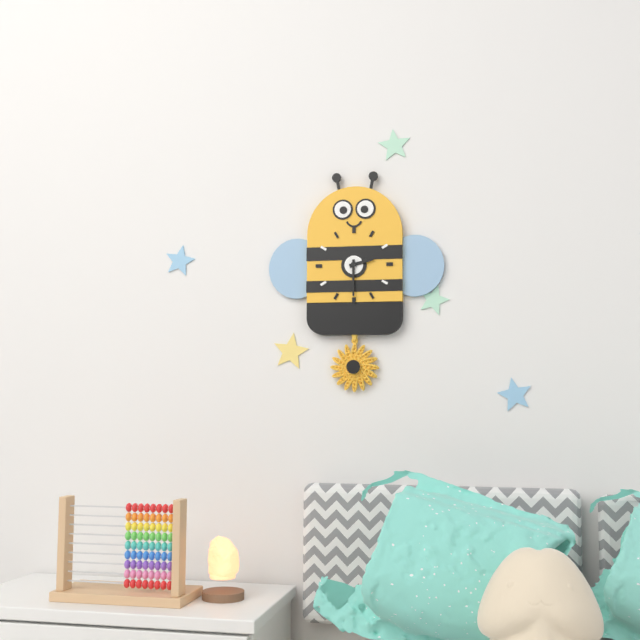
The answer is 2:30
